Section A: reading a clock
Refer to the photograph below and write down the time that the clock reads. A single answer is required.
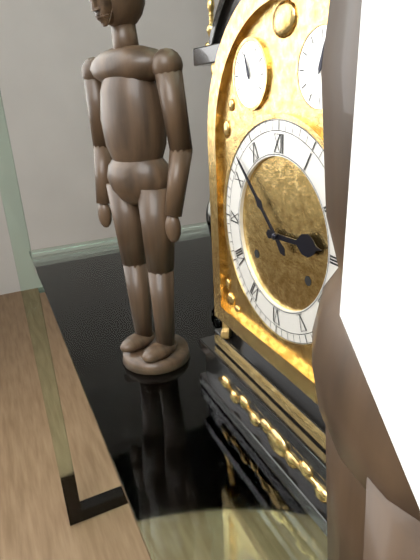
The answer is 2:52
